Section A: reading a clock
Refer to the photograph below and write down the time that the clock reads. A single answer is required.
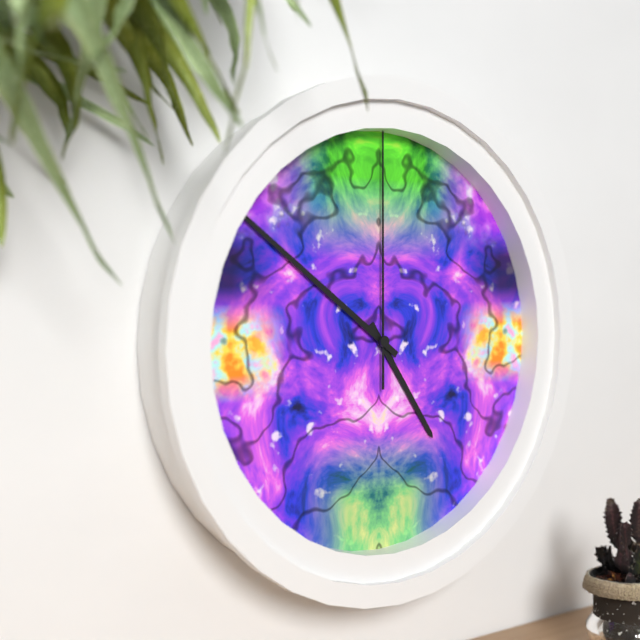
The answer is 4:51:00
